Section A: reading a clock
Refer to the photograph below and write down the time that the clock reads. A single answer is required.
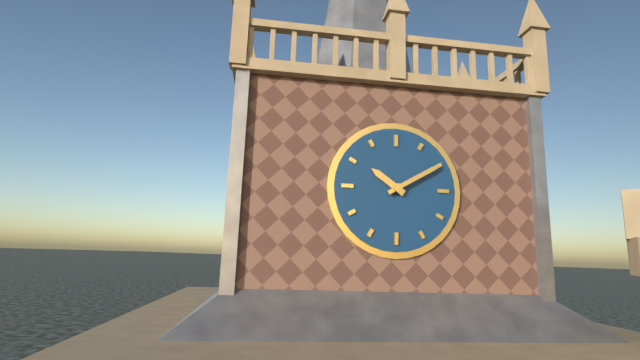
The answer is 10:10
